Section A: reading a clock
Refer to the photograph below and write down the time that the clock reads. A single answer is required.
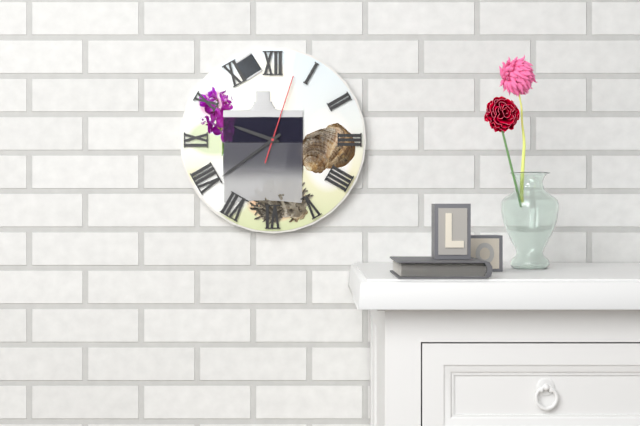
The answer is 9:39:03
